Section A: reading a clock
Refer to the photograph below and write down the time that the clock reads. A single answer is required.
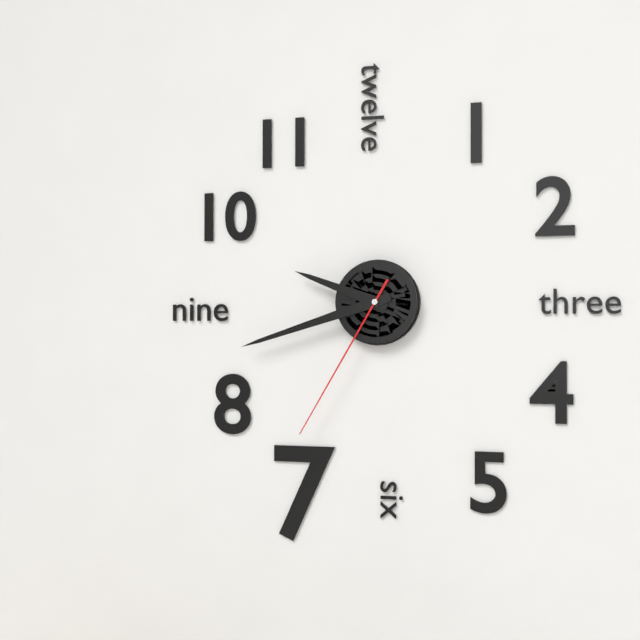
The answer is 9:42:35
